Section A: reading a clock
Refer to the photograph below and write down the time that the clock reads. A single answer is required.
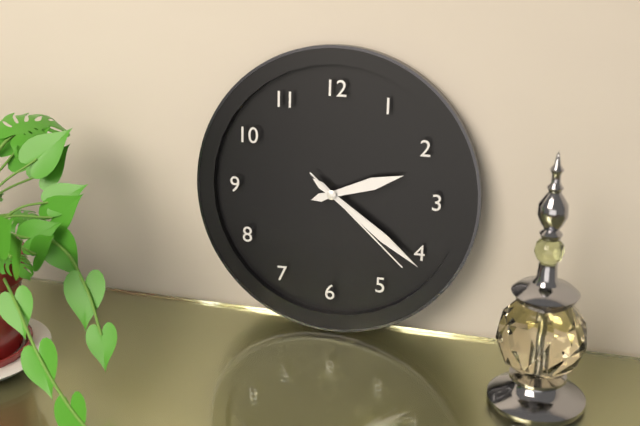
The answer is 2:21:22
